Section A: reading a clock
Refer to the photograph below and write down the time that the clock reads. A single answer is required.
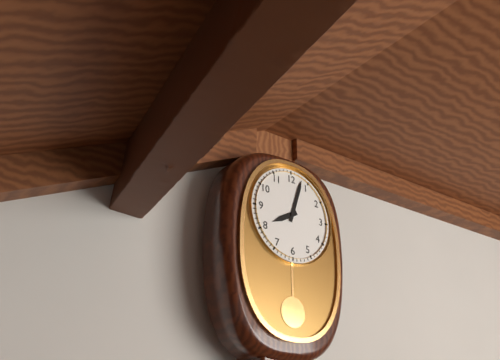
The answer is 8:03
